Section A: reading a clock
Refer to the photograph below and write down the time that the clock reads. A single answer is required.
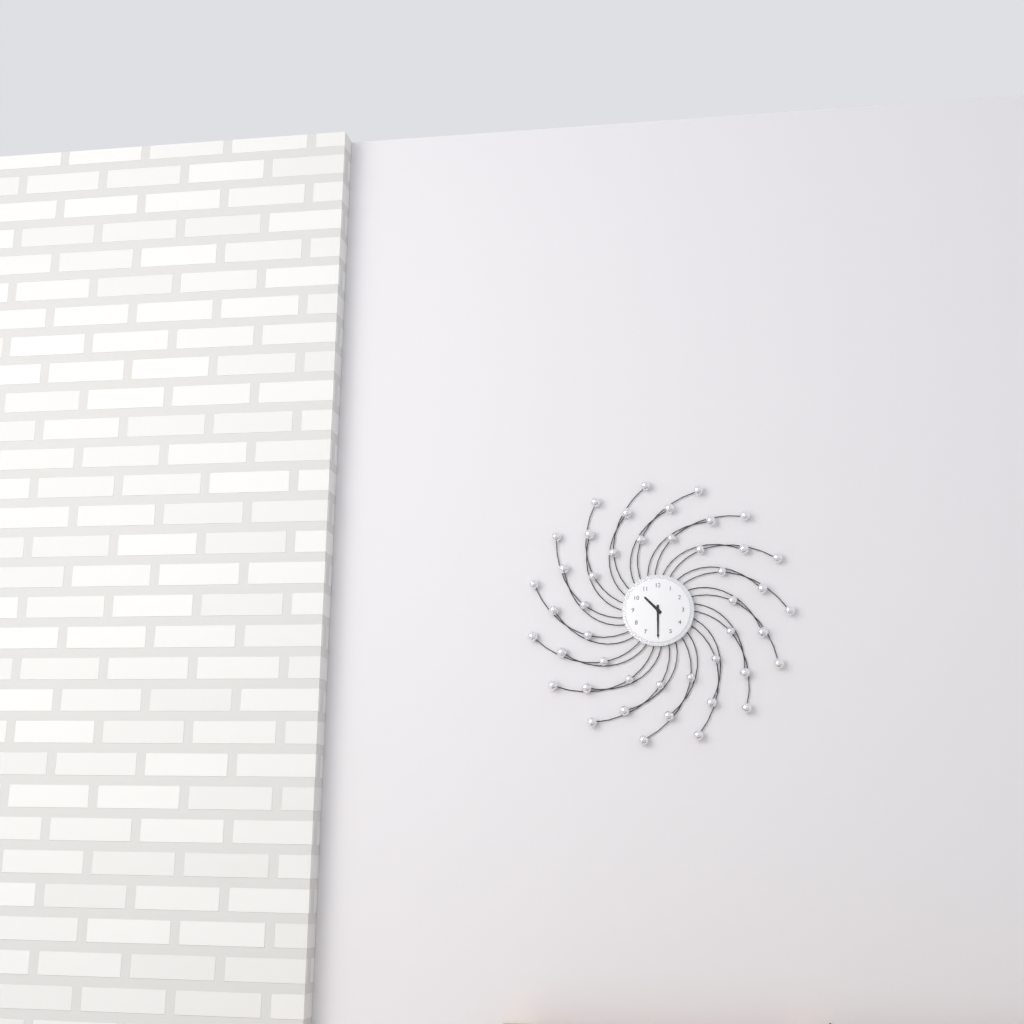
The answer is 10:30
